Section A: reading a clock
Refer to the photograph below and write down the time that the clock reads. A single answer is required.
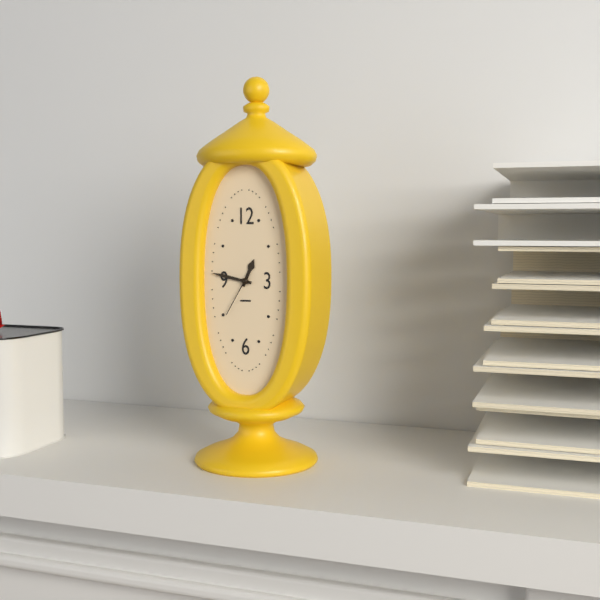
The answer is 12:47
